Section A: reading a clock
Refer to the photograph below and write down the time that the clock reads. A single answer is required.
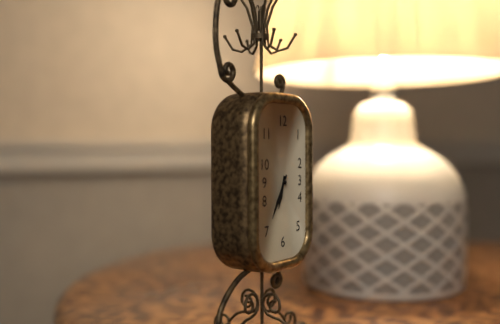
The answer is 6:35
